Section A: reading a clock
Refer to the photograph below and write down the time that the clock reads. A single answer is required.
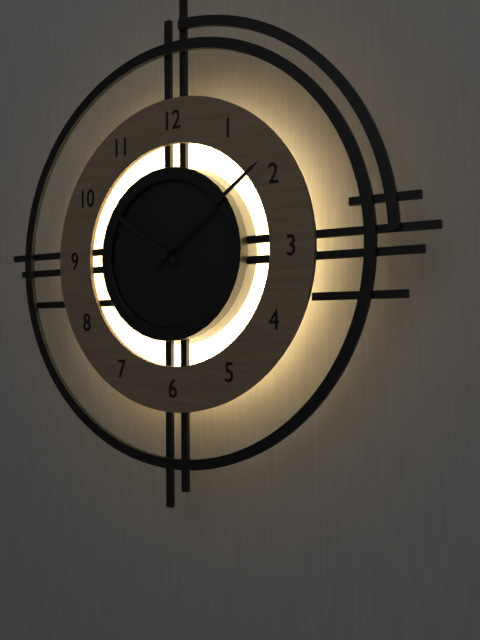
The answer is 10:09
